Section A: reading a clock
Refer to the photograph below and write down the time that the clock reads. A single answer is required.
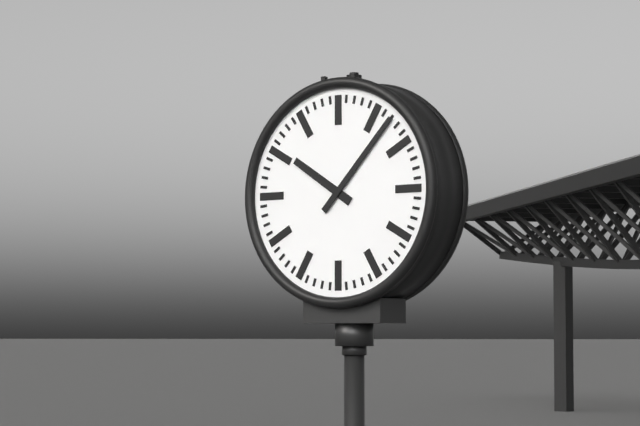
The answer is 10:07
